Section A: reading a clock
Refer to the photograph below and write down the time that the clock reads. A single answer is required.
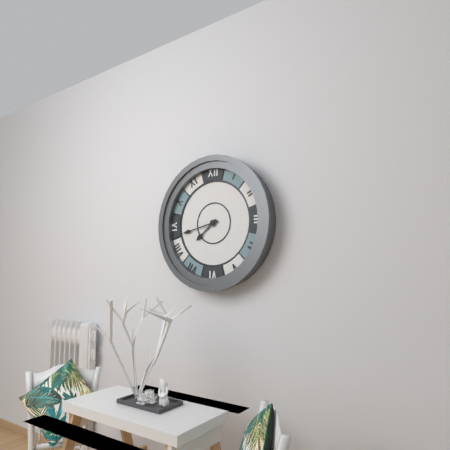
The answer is 7:43
